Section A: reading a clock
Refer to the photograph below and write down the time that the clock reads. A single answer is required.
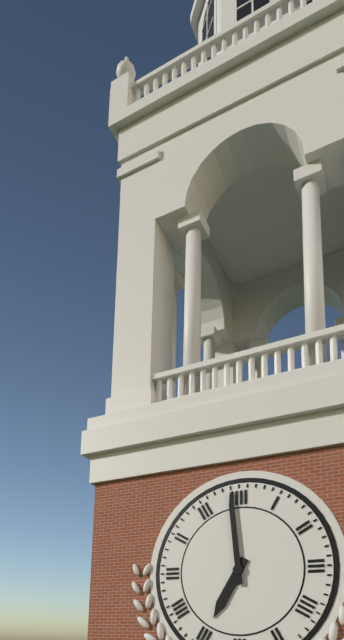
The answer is 6:59
